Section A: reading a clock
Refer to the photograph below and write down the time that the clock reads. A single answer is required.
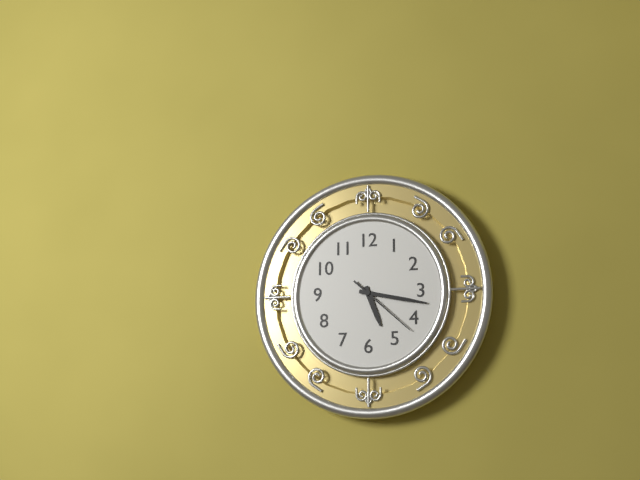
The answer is 5:17:22
